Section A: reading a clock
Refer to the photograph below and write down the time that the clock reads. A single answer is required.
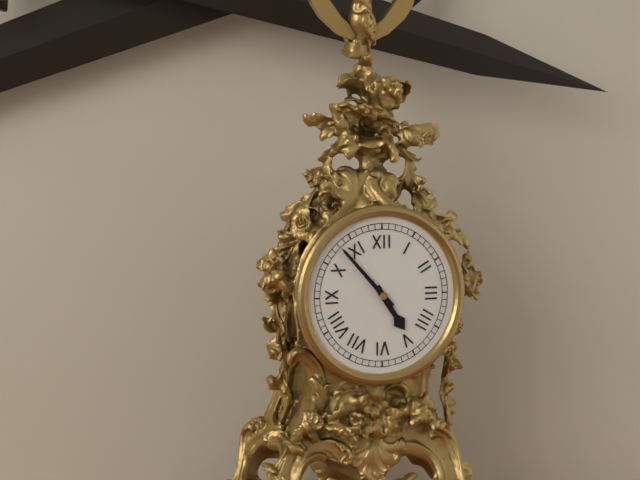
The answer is 4:53
